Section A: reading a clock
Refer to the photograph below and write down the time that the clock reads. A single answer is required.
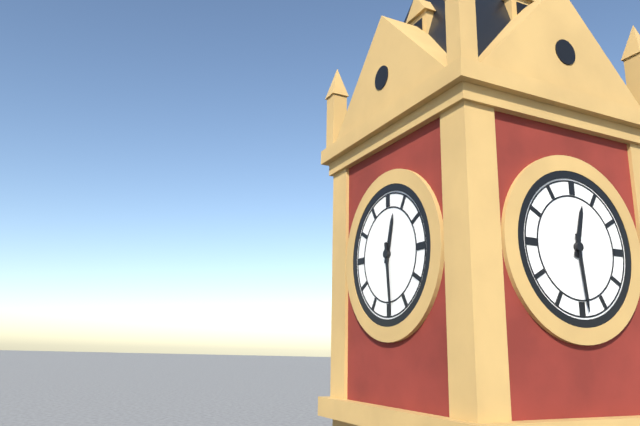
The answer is 12:29
